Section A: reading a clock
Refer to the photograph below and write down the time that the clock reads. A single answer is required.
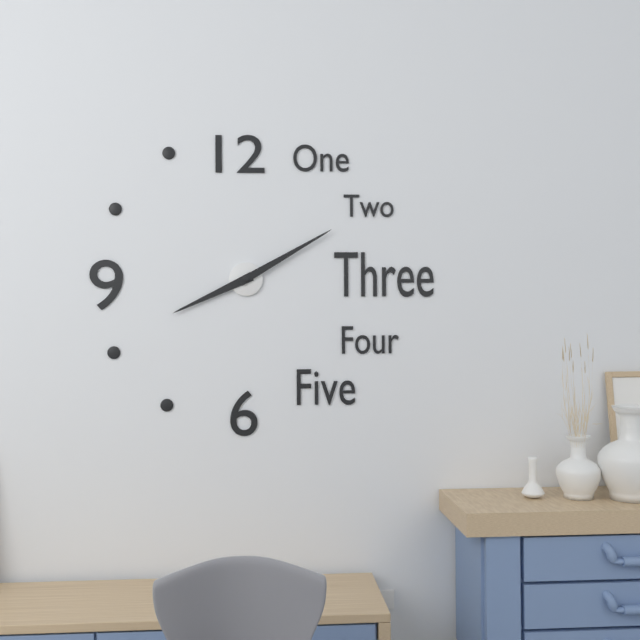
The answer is 8:10
